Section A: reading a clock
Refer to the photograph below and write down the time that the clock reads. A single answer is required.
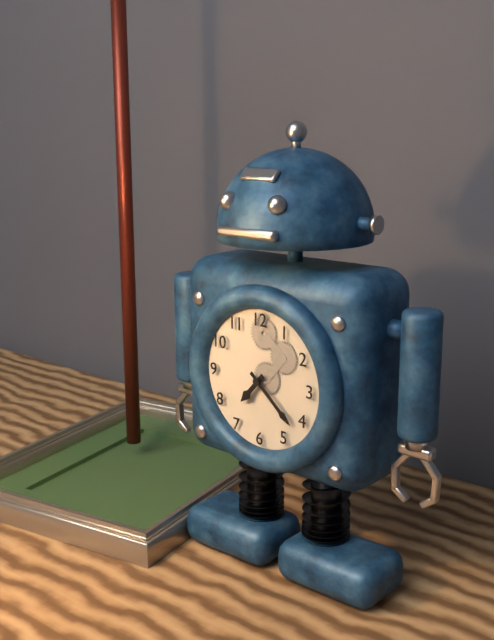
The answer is 7:22
